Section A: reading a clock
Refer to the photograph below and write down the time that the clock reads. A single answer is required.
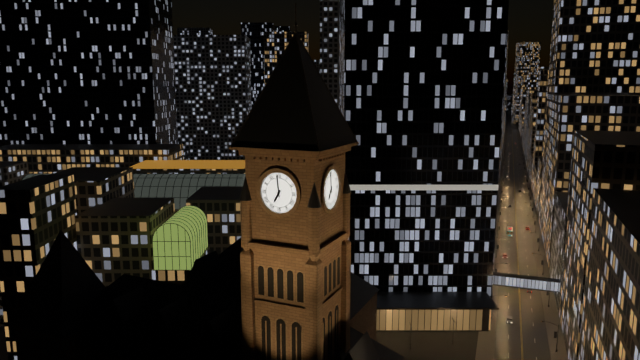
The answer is 6:59
